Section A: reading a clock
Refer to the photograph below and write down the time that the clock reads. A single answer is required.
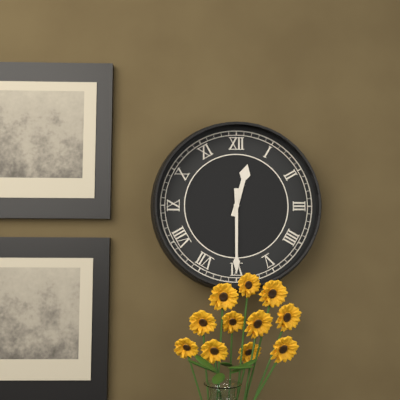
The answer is 12:30
